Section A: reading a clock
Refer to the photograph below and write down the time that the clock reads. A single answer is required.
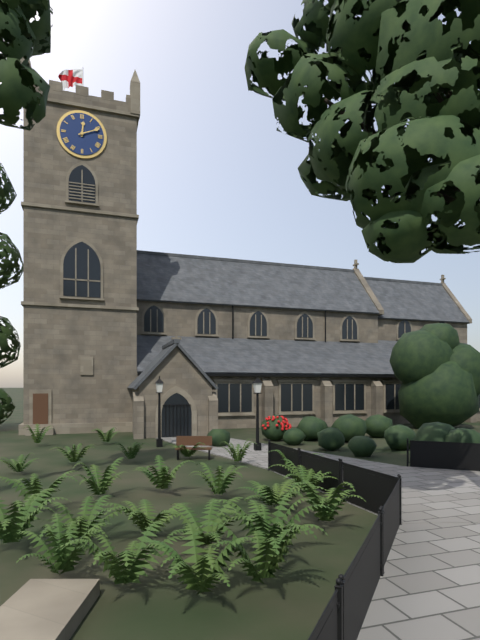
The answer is 12:11
